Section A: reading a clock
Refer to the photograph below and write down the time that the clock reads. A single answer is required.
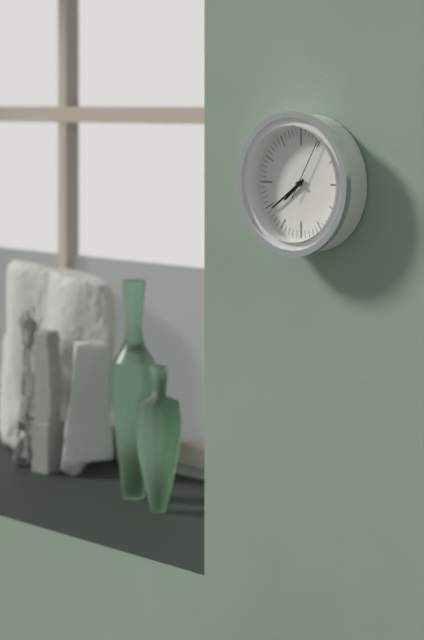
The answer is 7:39:05
